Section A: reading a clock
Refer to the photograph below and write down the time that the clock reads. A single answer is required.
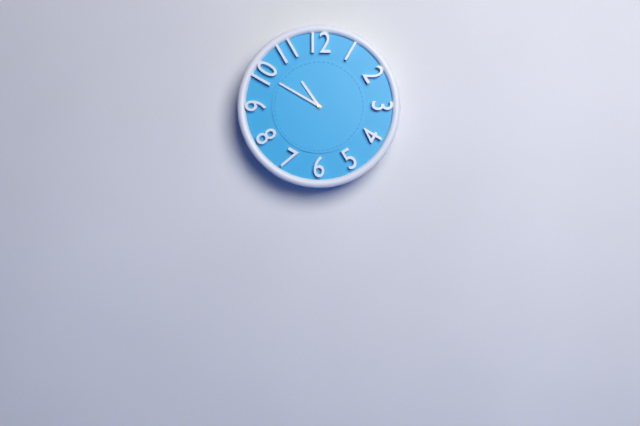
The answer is 10:50
